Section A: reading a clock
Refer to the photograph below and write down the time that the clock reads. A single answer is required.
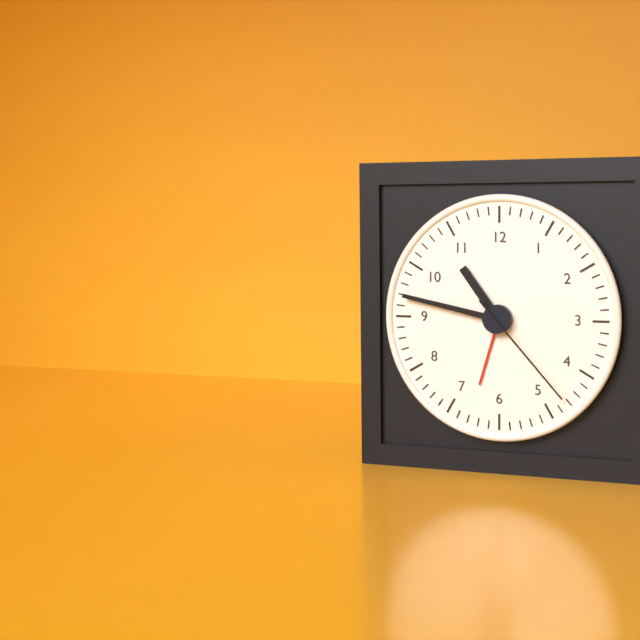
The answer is 10:47:23
